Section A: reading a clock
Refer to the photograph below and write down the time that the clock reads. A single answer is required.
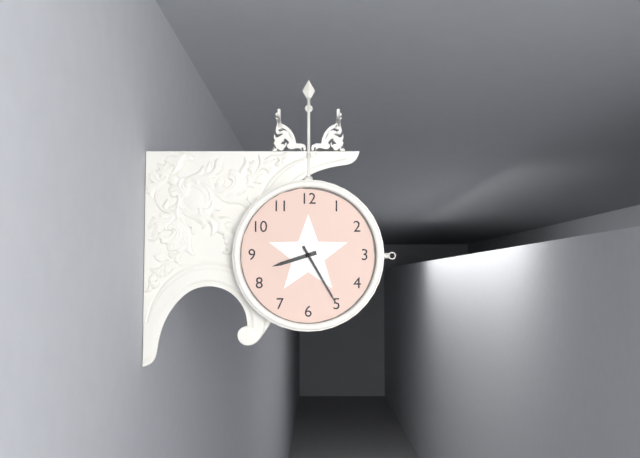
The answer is 8:25
